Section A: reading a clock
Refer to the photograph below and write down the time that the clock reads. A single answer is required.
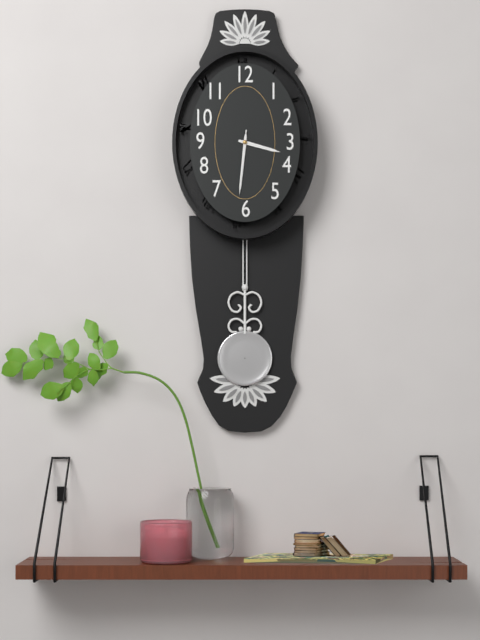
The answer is 3:31:31
